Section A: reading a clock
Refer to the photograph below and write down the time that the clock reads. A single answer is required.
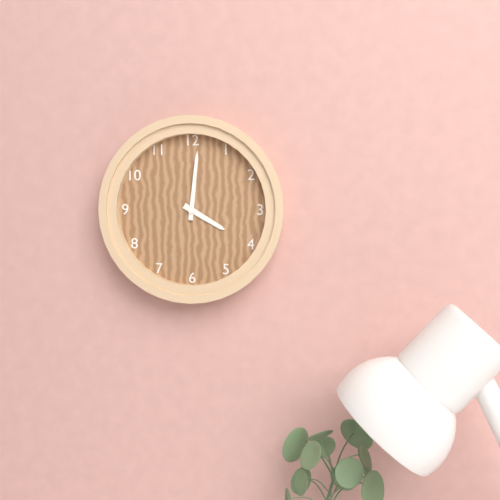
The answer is 4:01
